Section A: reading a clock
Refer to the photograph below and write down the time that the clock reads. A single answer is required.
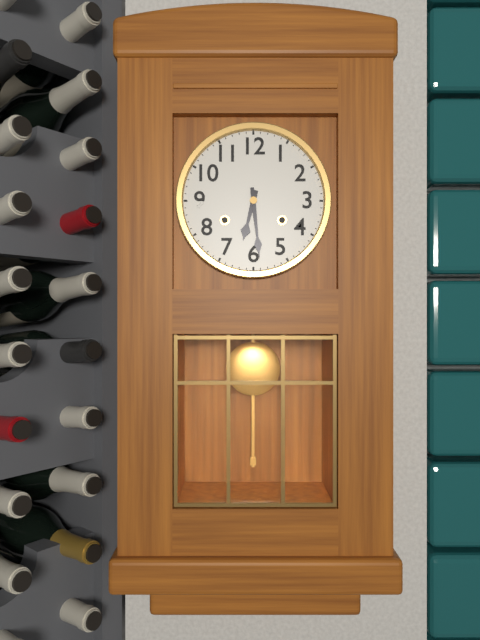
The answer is 6:29
